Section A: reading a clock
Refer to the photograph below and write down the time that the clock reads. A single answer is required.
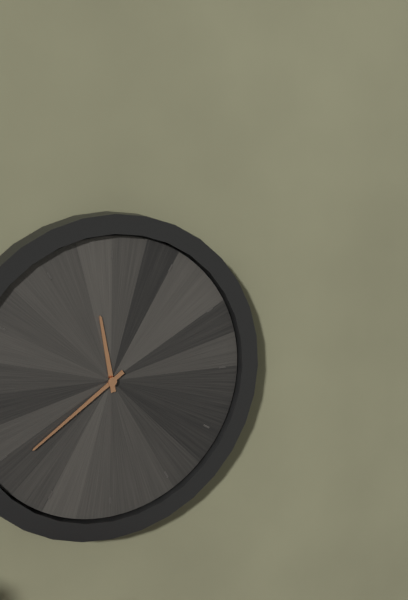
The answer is 11:39
